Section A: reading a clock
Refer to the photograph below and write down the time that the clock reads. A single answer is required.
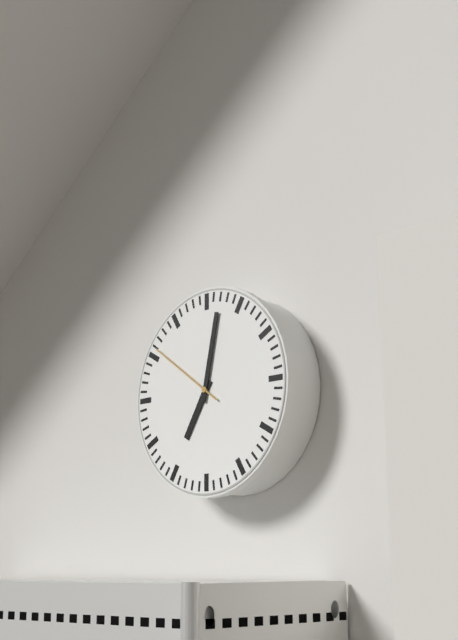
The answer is 7:02:51
